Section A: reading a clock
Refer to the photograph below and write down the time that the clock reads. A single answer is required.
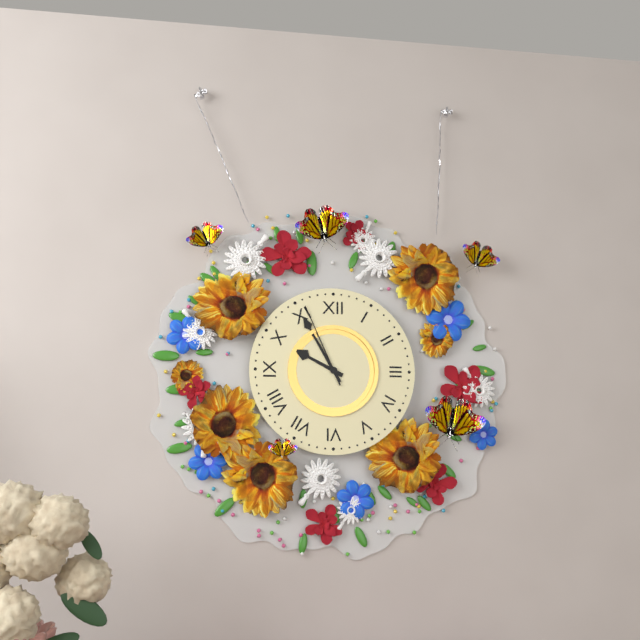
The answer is 9:55:56
